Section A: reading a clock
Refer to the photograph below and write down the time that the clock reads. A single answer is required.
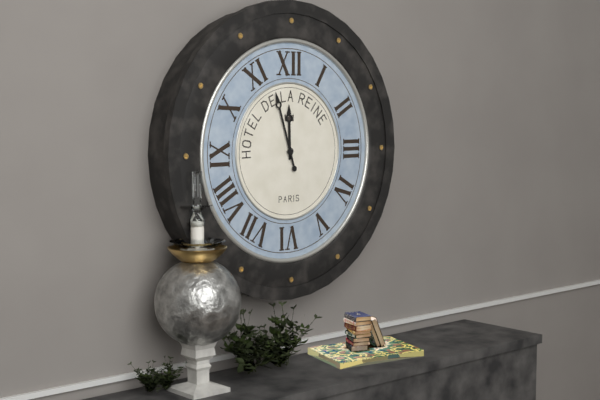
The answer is 11:57
